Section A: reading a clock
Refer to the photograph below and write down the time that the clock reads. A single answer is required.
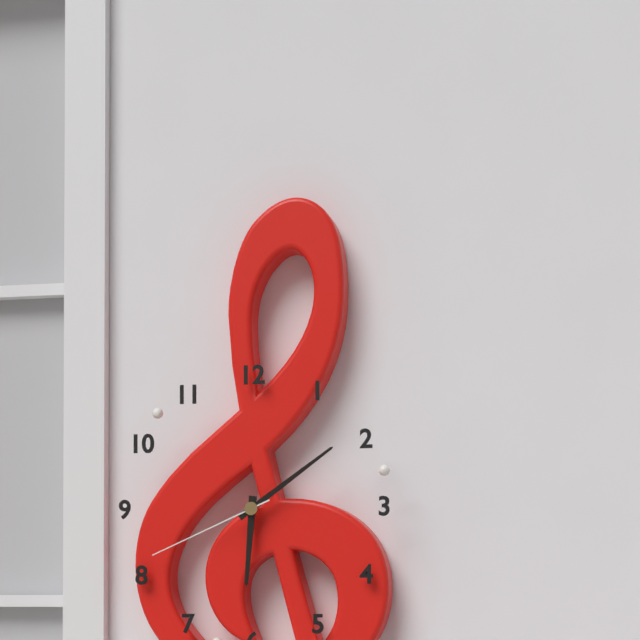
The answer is 6:09:41
